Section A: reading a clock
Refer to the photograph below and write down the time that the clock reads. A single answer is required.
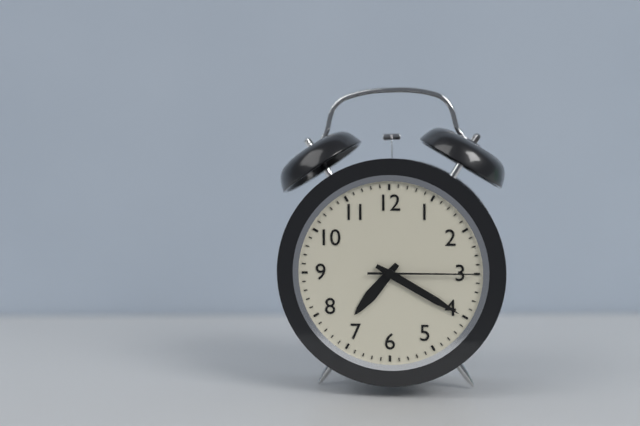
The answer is 7:20:15
